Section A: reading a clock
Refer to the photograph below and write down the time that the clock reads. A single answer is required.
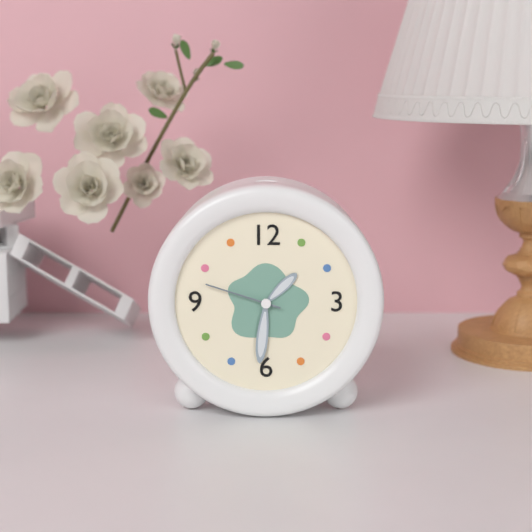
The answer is 1:31:48
